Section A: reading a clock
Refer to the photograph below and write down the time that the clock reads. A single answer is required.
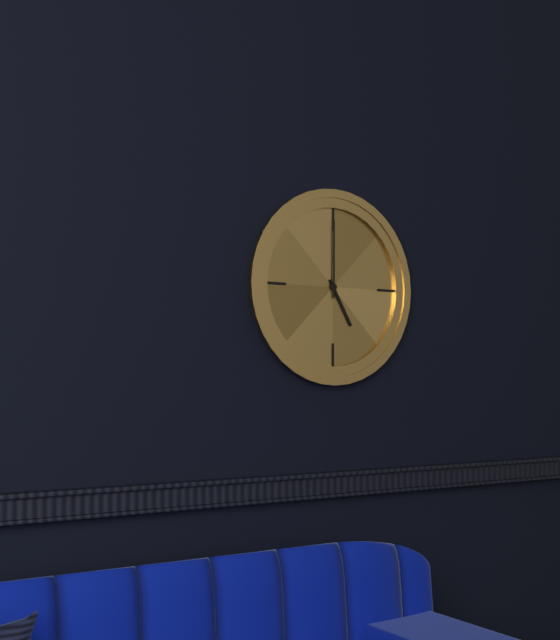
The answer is 5:00
